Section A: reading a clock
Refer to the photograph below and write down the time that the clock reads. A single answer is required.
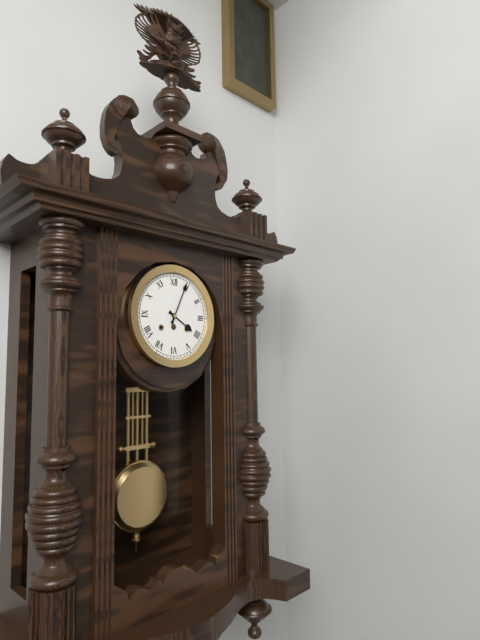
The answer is 4:04
